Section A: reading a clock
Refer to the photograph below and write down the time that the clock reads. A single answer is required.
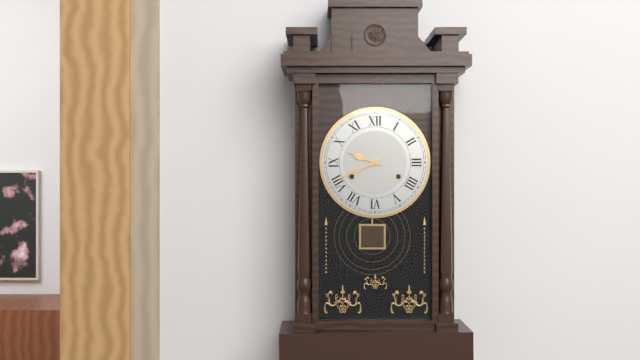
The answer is 9:41
